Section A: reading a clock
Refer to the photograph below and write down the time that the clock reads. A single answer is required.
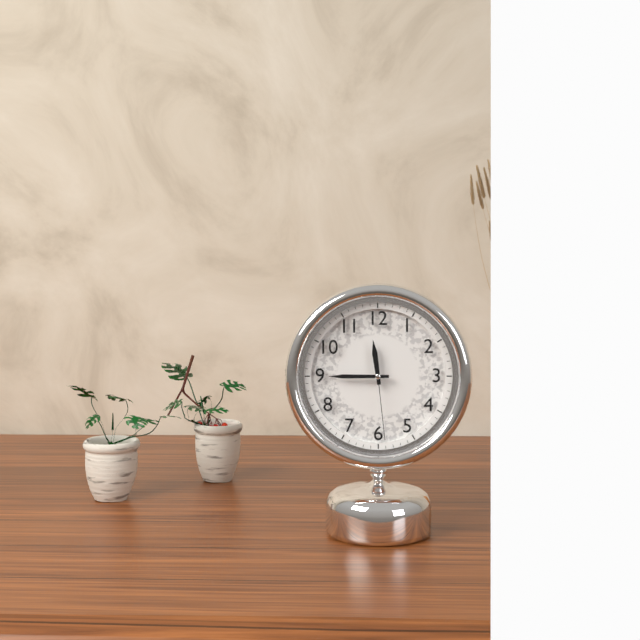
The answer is 11:45:29
